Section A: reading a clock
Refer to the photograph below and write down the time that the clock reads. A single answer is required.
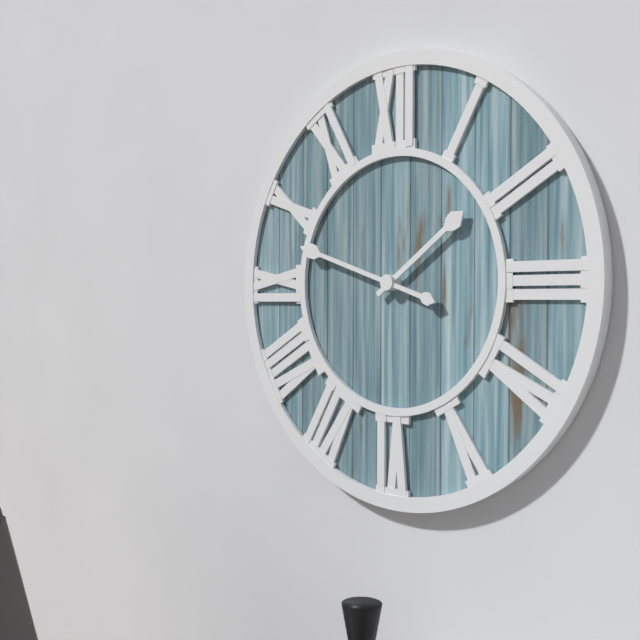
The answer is 1:48
